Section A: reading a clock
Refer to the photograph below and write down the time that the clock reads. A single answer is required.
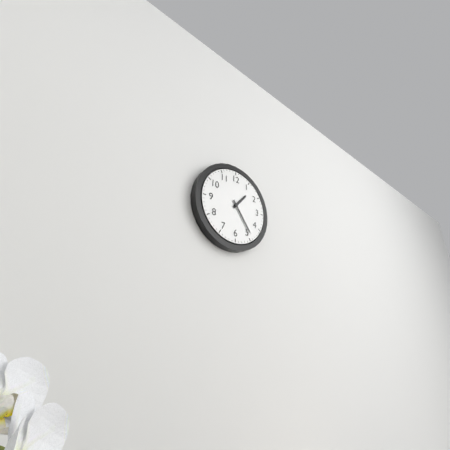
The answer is 1:24
